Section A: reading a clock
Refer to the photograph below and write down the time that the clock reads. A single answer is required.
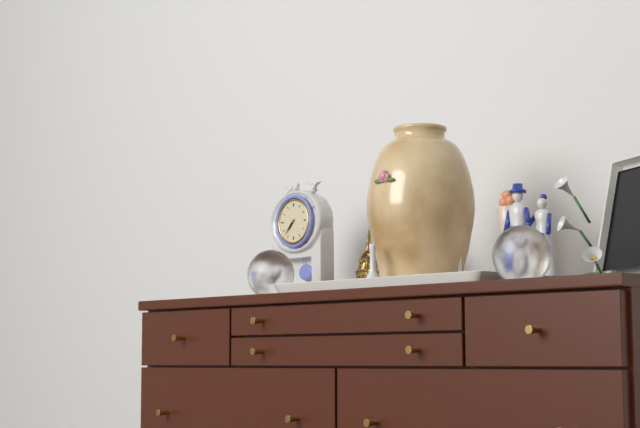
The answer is 7:37
